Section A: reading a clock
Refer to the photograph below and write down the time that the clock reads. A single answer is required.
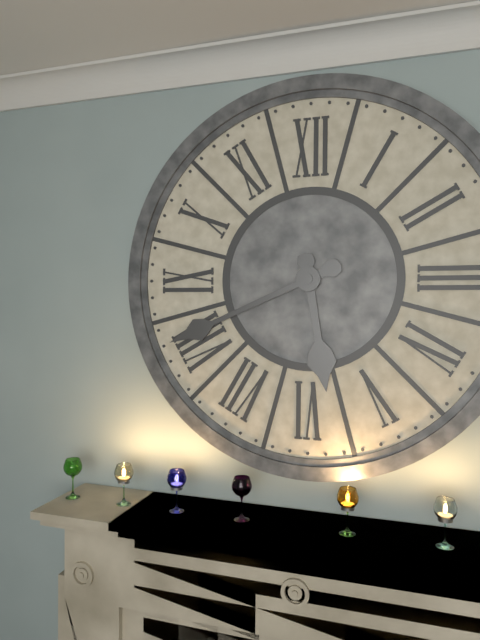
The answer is 5:41
